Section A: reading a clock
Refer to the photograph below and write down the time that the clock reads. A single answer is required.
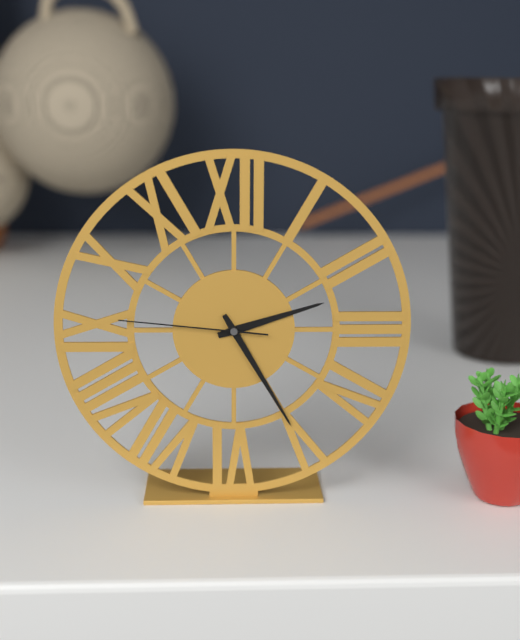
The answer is 2:25:46
